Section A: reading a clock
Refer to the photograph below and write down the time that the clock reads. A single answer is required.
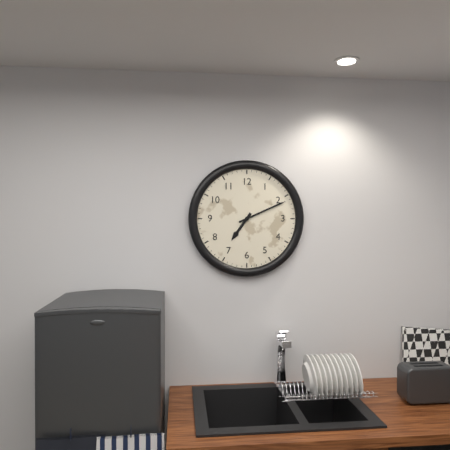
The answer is 7:11
